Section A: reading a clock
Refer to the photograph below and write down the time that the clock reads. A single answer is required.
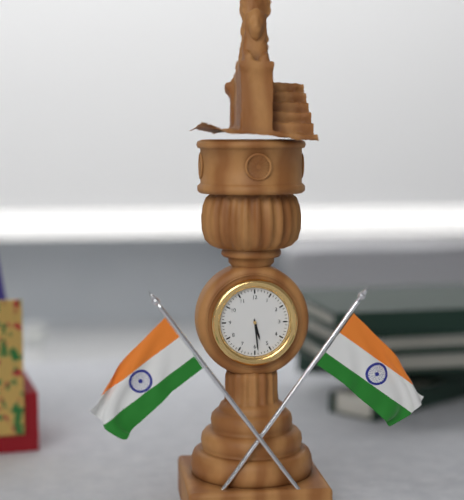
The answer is 5:29
